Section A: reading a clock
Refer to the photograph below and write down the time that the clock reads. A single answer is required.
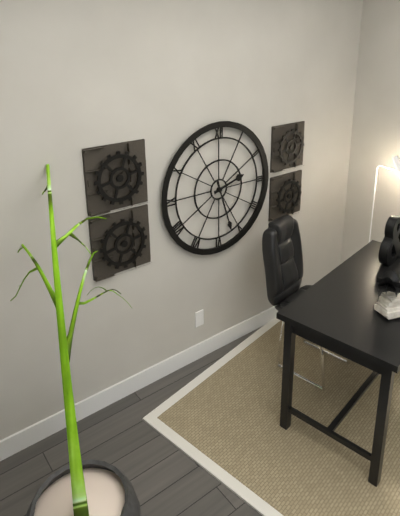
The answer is 2:27
